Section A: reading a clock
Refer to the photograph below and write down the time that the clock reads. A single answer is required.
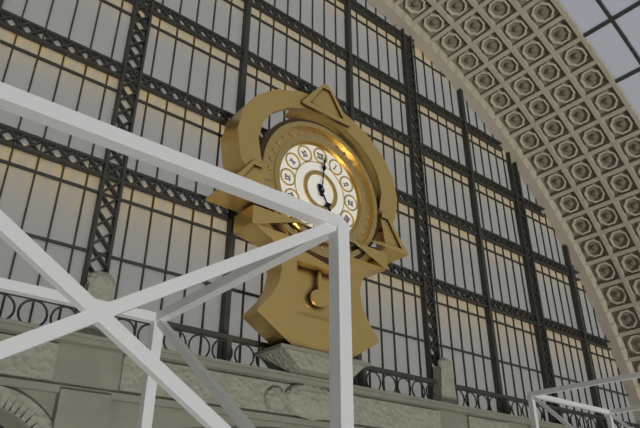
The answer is 5:01
